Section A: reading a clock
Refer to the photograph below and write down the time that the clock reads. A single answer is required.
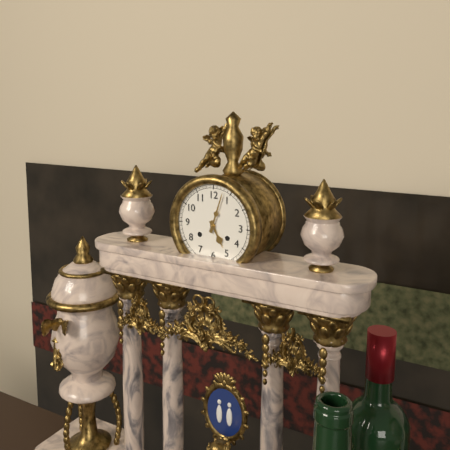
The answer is 5:03
